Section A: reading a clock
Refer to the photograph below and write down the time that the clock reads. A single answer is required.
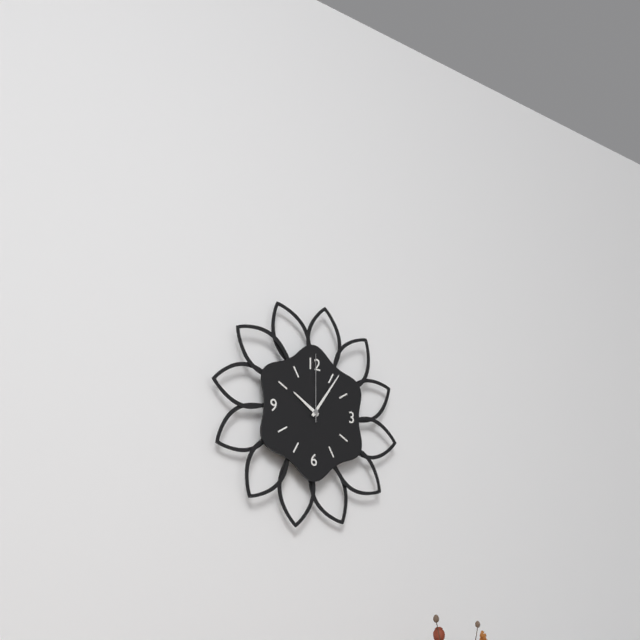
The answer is 10:06:00
